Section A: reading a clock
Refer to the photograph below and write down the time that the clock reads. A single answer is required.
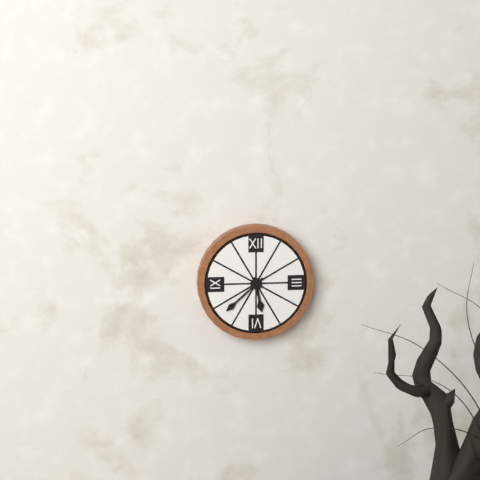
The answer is 5:38
